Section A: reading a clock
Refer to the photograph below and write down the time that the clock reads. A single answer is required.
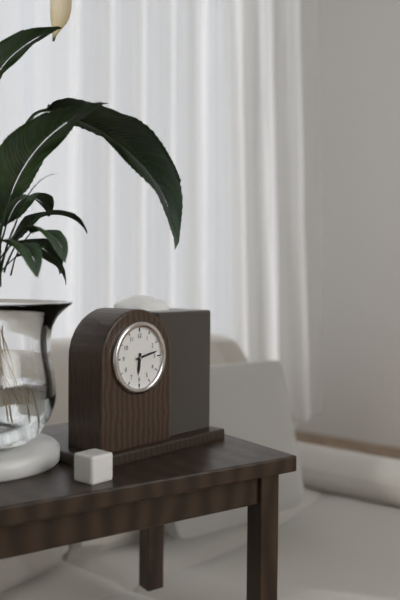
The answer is 6:13
